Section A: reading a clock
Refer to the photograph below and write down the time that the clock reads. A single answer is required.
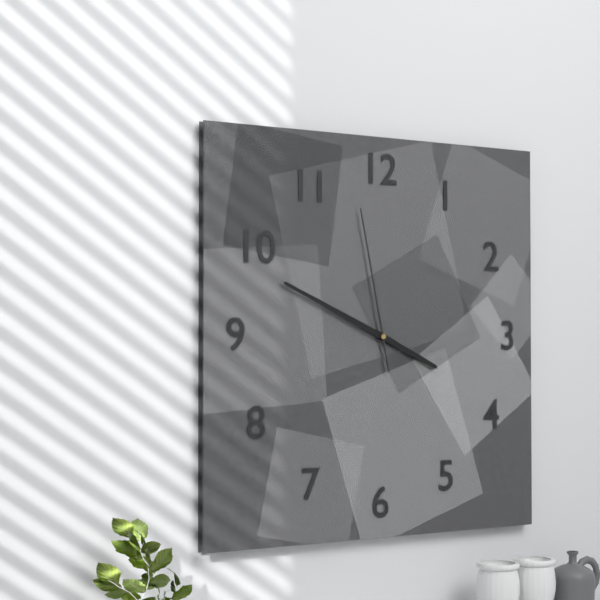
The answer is 3:49:58
